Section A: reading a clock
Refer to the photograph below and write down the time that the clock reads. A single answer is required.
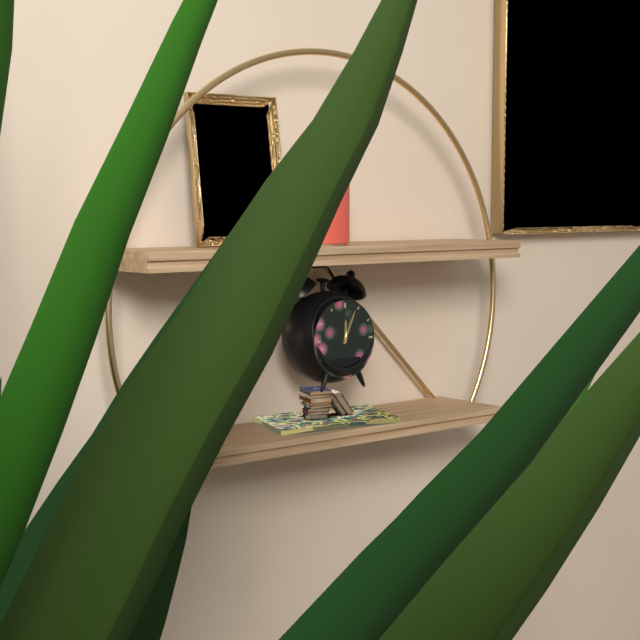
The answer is 12:04
